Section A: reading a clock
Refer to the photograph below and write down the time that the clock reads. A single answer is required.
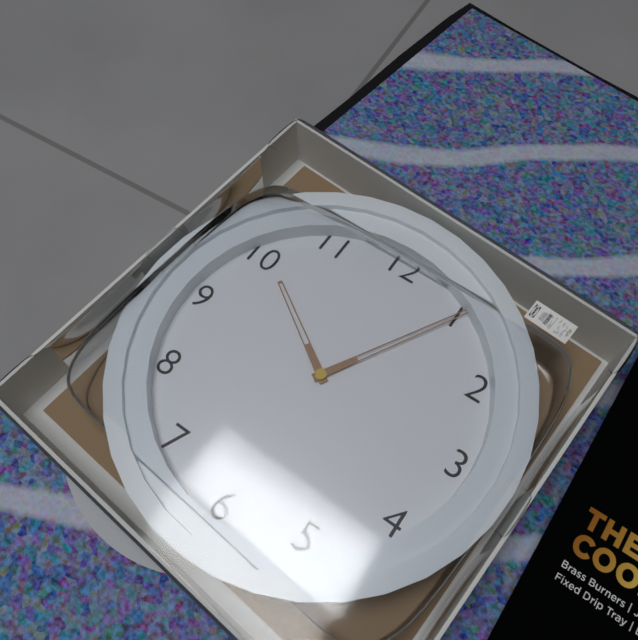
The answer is 10:05
